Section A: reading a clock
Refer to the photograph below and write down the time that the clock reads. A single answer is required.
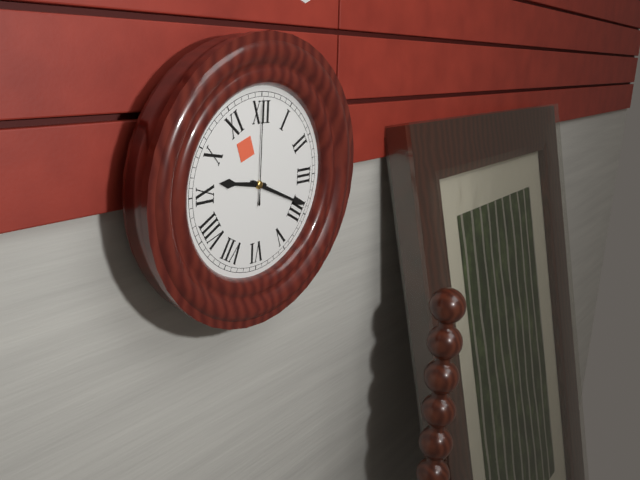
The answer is 9:19:00
